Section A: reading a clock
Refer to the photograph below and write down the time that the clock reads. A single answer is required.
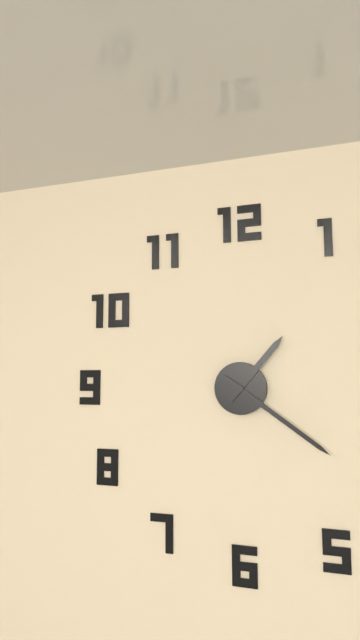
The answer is 1:21
